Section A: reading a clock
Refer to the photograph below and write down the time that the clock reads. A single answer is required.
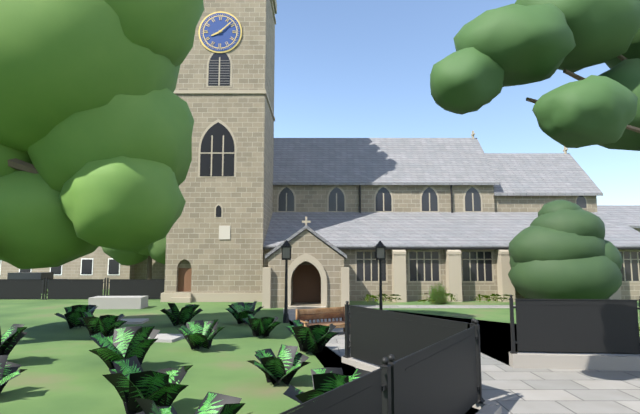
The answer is 8:08
